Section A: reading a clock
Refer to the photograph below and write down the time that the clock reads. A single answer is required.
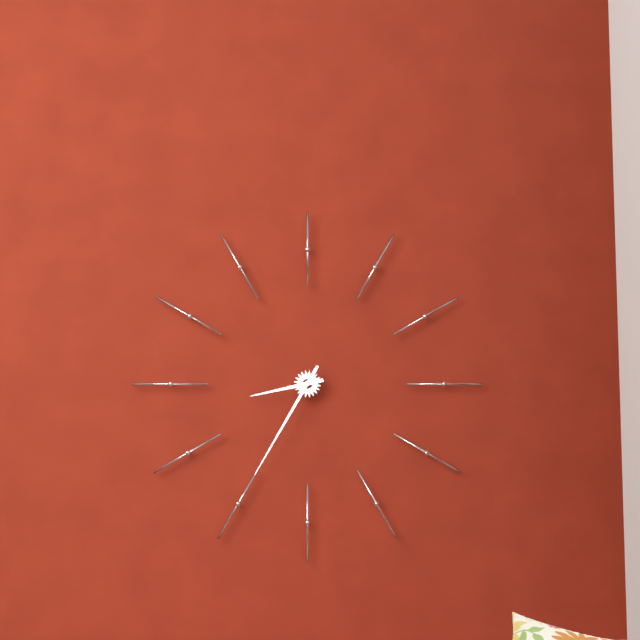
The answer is 8:35
